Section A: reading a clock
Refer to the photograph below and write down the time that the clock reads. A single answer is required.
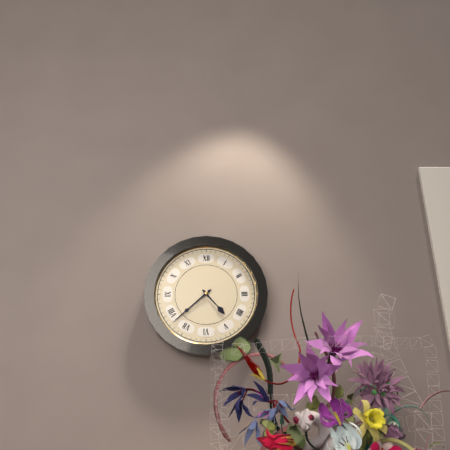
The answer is 4:38
